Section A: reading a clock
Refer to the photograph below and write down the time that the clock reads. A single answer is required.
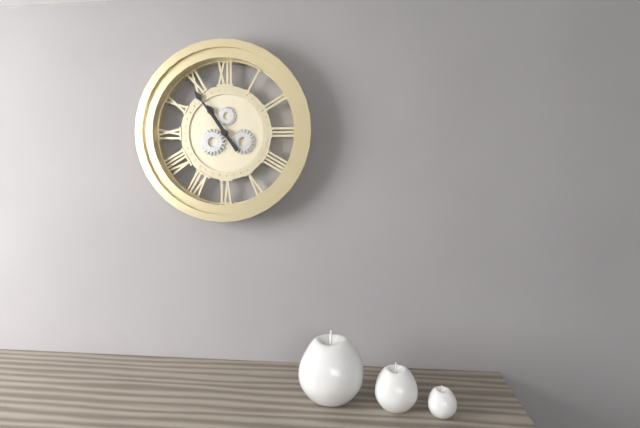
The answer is 10:54
